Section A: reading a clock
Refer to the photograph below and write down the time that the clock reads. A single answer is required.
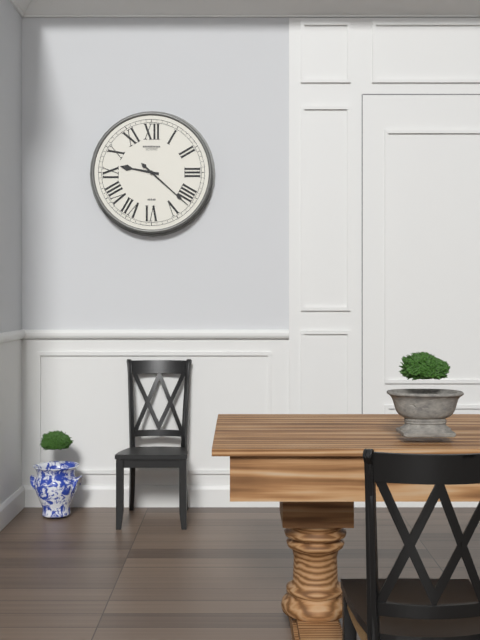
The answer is 9:22
